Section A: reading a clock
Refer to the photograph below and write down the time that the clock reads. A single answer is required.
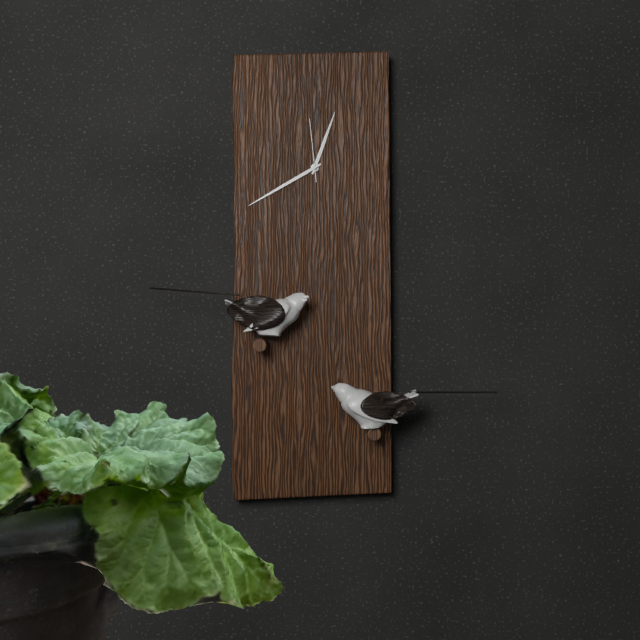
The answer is 12:40:59
